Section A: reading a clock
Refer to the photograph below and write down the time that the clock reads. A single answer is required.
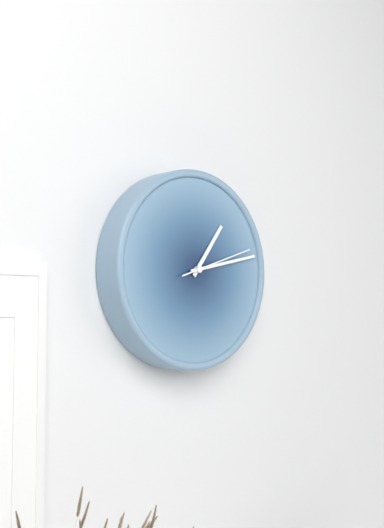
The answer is 1:13:12
